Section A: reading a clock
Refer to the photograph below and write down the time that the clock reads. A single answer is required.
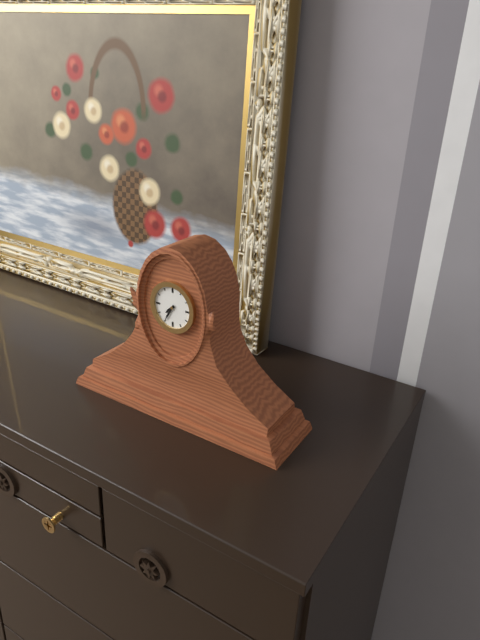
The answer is 7:35
